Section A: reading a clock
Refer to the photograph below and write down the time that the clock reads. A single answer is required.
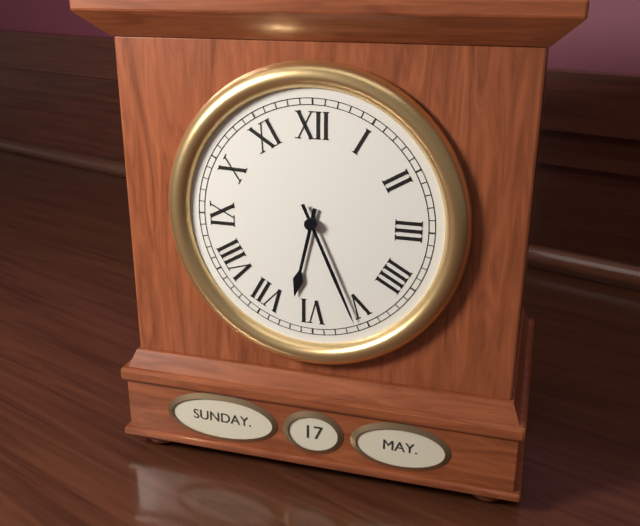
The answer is 6:26
